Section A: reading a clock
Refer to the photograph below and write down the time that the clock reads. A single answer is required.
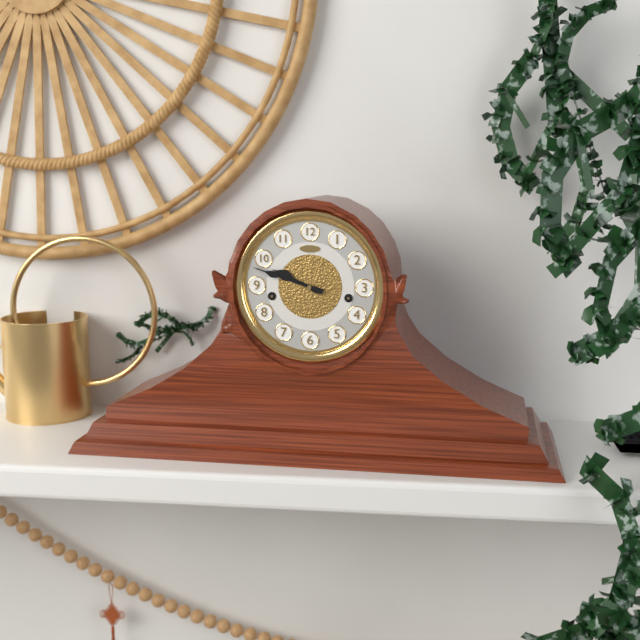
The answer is 9:48
